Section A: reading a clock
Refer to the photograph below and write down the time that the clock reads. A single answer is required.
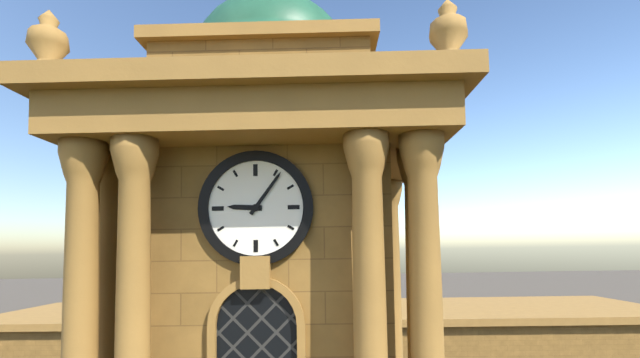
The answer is 9:06
